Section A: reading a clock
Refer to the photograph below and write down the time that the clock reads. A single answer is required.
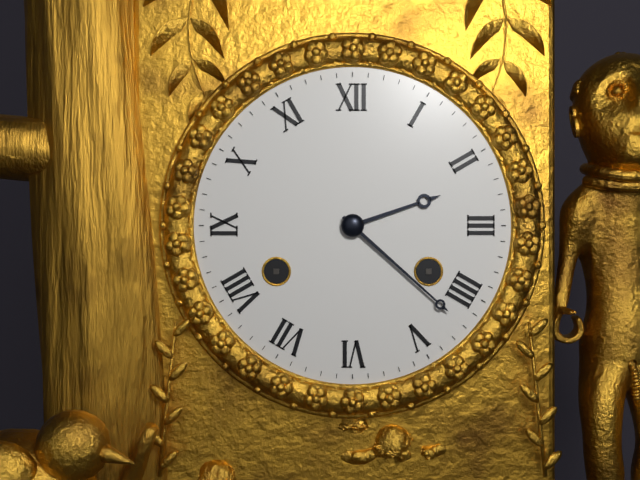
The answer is 2:22
